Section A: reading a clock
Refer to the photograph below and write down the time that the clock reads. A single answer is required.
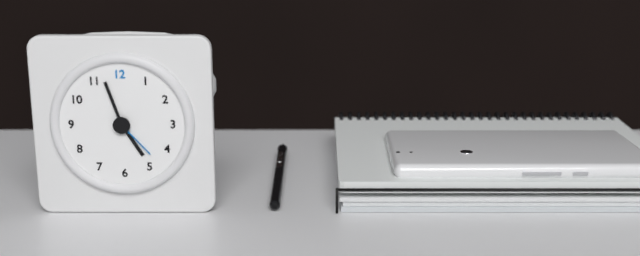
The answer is 4:57:23
